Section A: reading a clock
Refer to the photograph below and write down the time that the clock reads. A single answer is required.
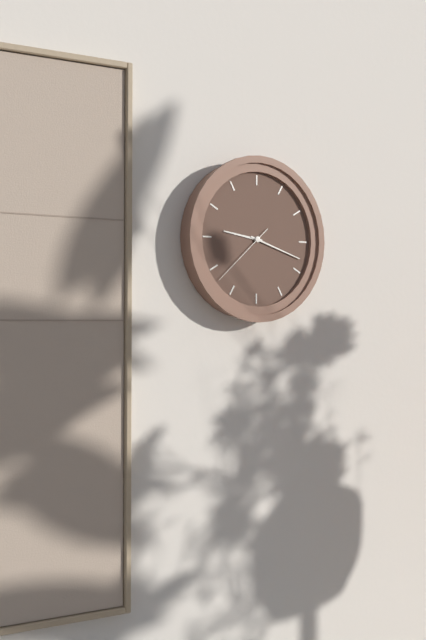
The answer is 9:18:38
